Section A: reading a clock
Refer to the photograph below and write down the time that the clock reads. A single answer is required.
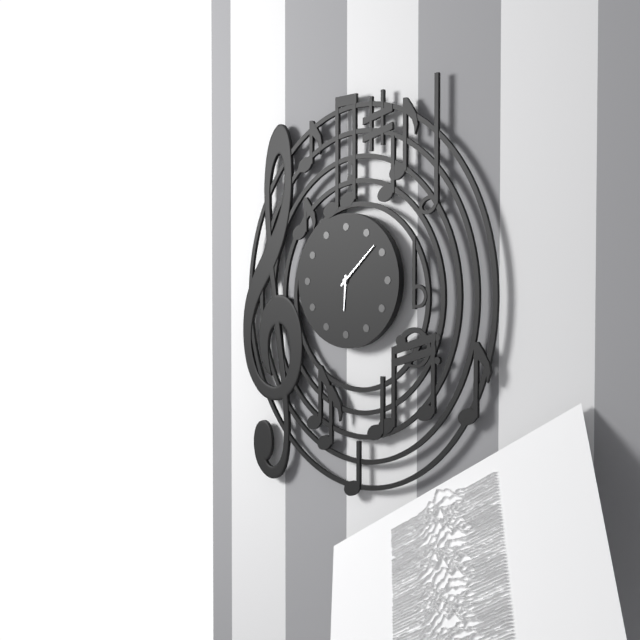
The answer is 6:08
